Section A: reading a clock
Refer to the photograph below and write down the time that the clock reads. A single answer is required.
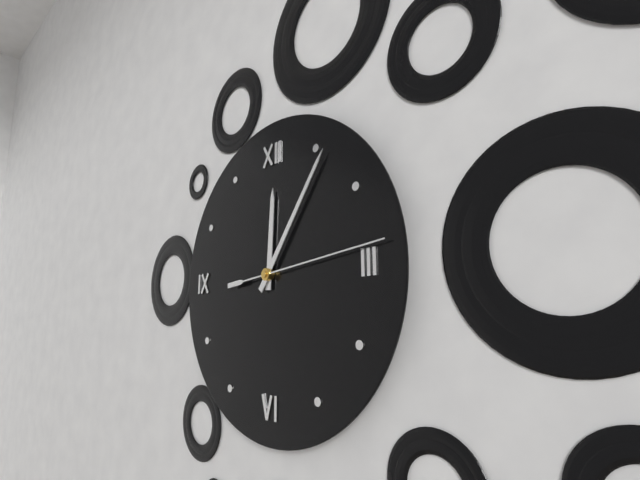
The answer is 12:06:14
